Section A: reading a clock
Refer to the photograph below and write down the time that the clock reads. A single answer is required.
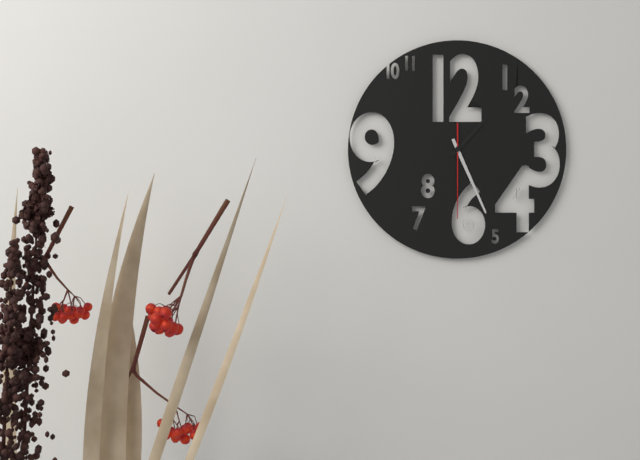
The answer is 1:26:30
